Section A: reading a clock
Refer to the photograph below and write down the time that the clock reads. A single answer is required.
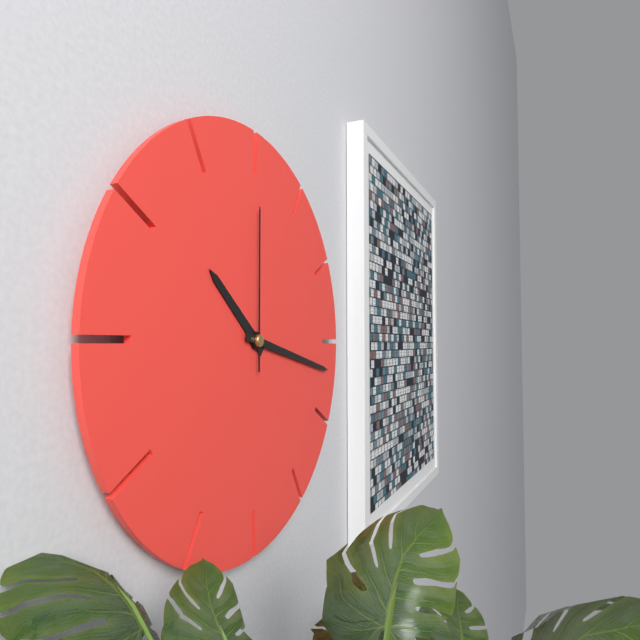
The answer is 10:17:00
